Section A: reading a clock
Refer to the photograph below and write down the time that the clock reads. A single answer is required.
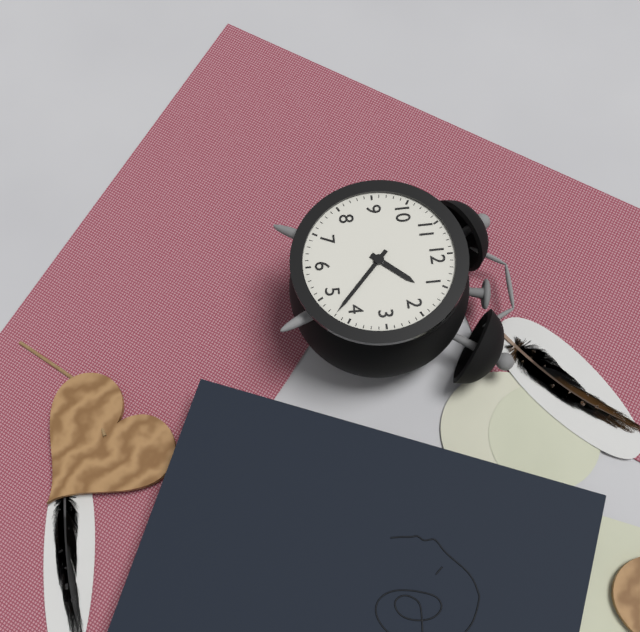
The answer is 1:22
